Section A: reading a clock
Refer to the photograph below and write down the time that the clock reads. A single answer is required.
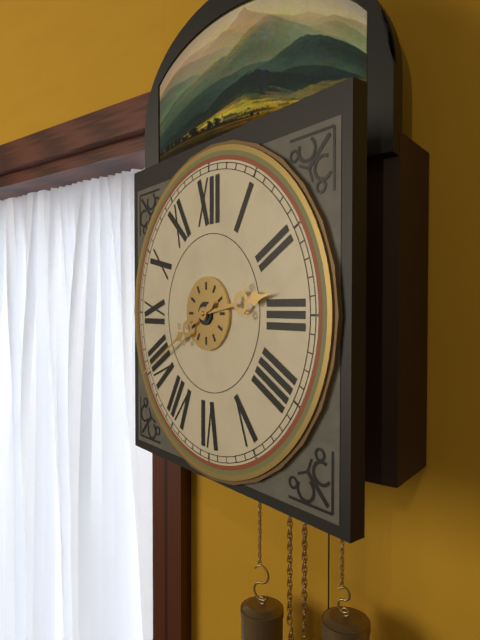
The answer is 2:40
